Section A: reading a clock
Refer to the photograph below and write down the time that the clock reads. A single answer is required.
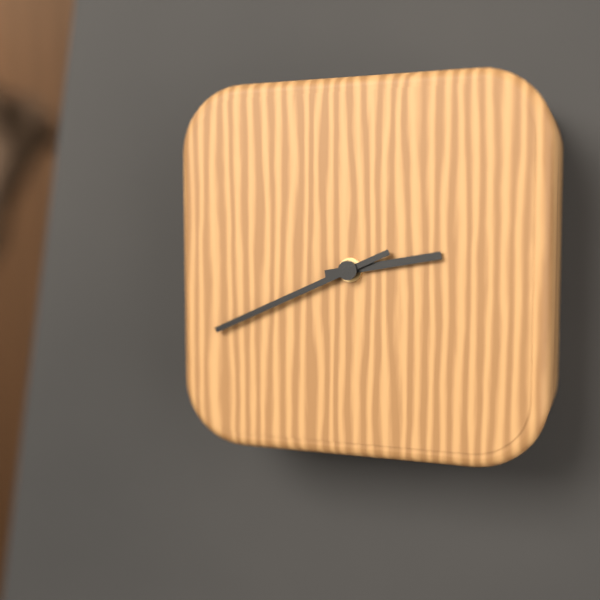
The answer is 2:41
